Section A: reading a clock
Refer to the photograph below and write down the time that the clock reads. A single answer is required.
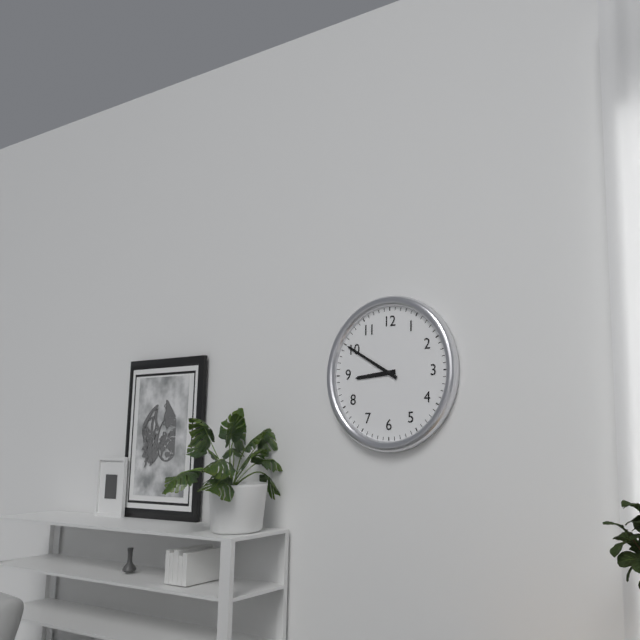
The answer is 8:50
